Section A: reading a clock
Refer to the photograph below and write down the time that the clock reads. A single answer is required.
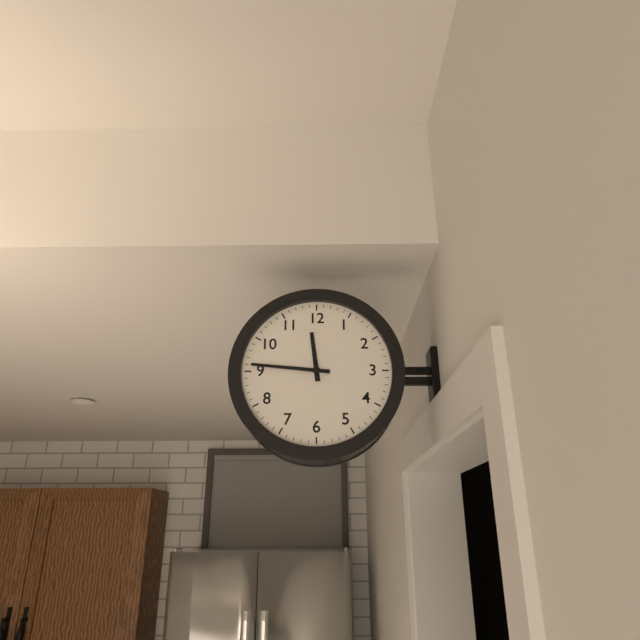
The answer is 11:46
